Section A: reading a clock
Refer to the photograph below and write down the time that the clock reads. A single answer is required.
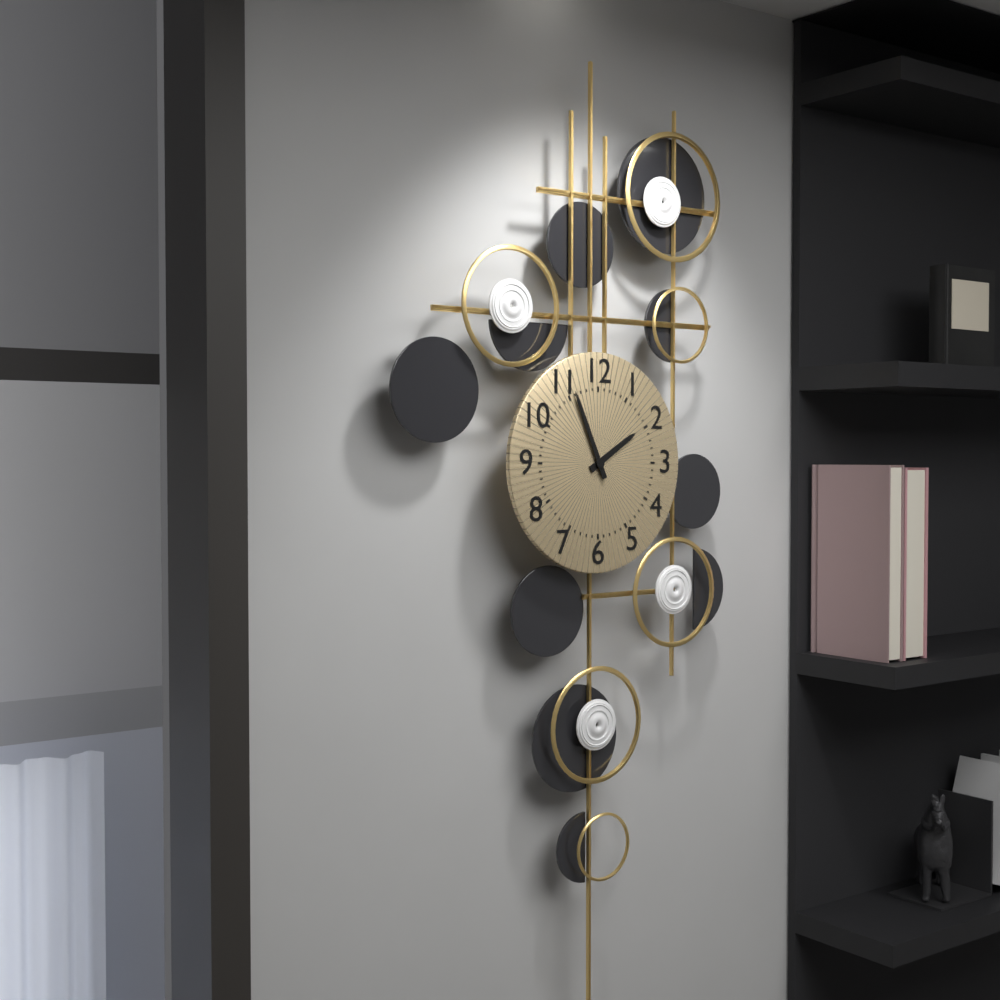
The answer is 1:56
